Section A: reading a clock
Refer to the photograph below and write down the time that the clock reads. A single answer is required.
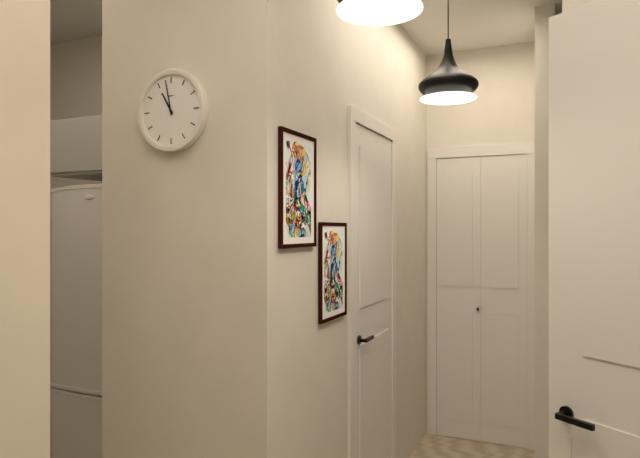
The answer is 10:58
